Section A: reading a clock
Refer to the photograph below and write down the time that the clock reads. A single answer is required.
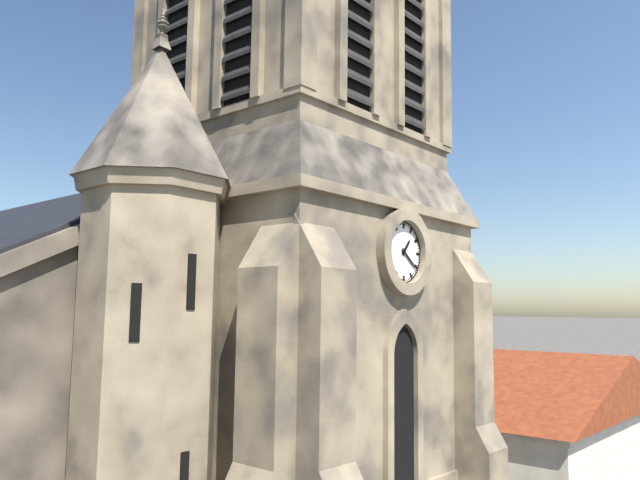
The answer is 1:21
